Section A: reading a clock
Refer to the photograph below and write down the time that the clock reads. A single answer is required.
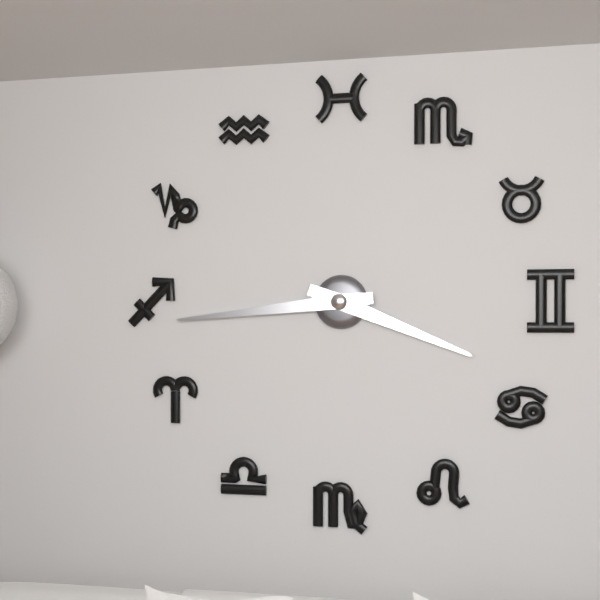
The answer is 3:44
